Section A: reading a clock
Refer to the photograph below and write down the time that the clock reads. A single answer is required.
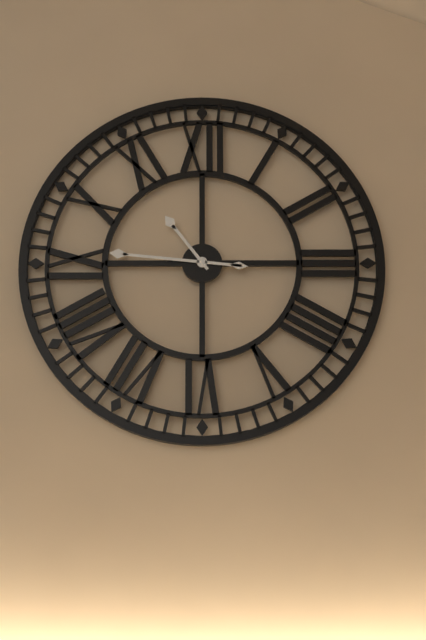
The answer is 10:46
